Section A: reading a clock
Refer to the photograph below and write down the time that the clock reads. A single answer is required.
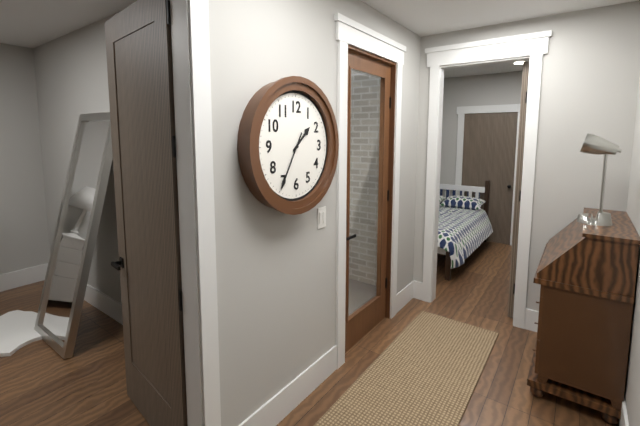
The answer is 1:35
